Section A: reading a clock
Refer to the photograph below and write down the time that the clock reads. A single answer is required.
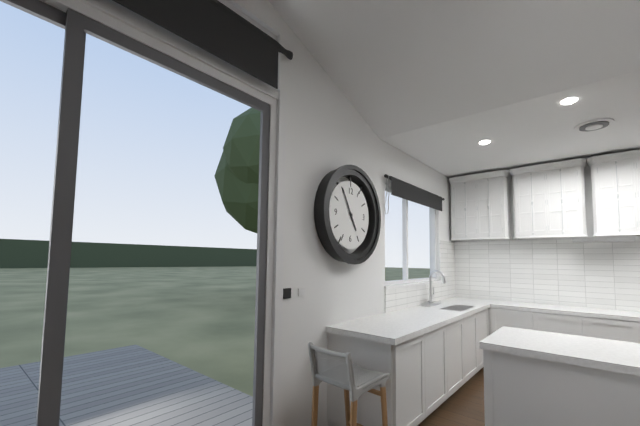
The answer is 4:55
